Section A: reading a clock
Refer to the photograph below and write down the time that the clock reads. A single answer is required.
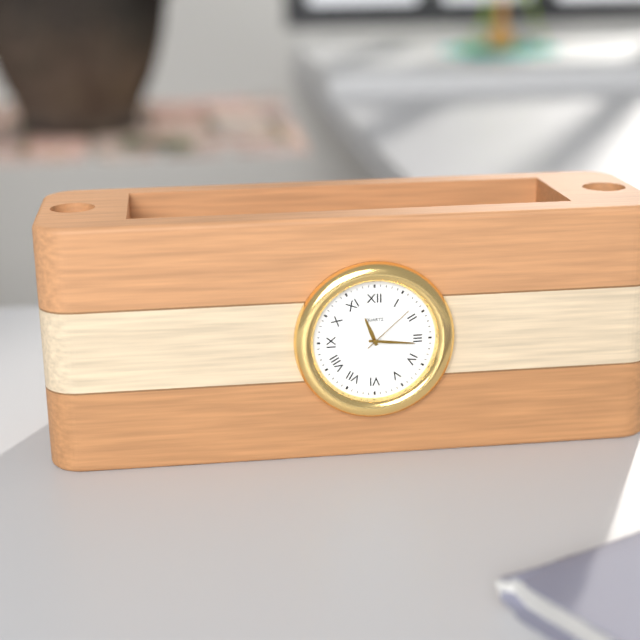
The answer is 11:16:08
